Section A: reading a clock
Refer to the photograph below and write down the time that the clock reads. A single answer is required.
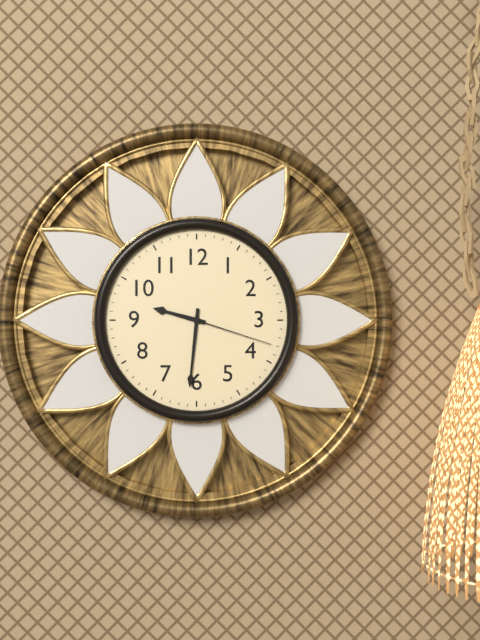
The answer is 9:31:18
